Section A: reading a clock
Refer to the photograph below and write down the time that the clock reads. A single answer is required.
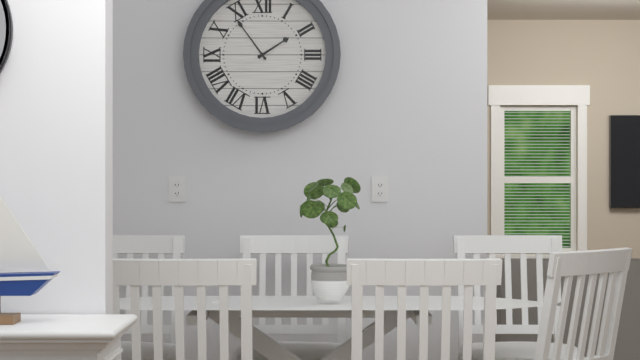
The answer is 1:54
